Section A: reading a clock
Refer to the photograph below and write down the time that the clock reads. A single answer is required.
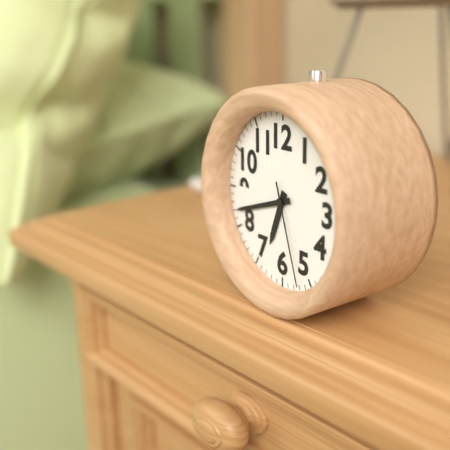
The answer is 6:42:27
